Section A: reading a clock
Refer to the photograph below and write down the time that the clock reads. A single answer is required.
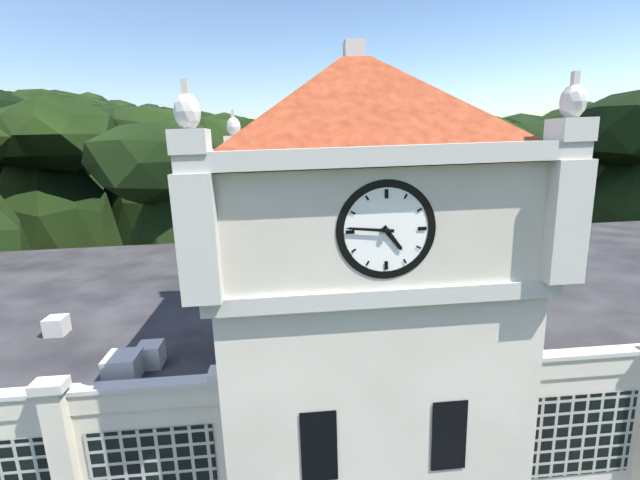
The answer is 4:46
